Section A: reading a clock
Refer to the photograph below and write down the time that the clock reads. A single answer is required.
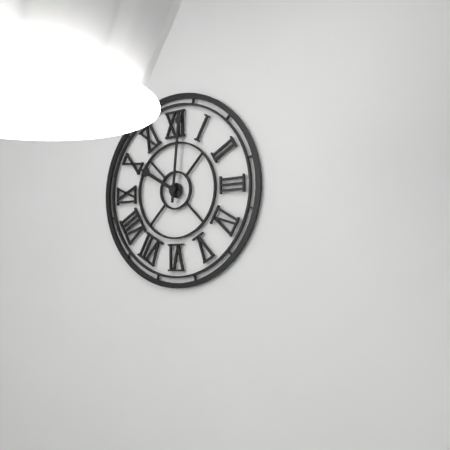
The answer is 10:01
